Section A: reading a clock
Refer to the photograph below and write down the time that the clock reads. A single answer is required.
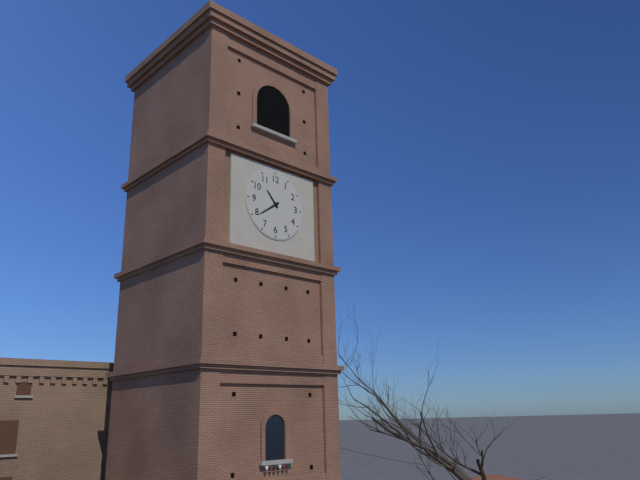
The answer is 10:39
